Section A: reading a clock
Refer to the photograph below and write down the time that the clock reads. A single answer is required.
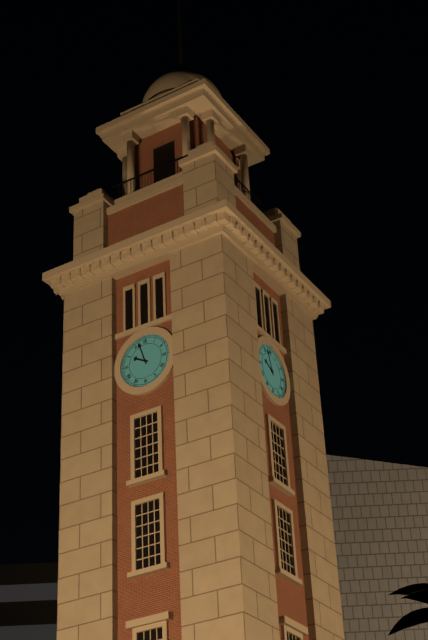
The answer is 9:57
